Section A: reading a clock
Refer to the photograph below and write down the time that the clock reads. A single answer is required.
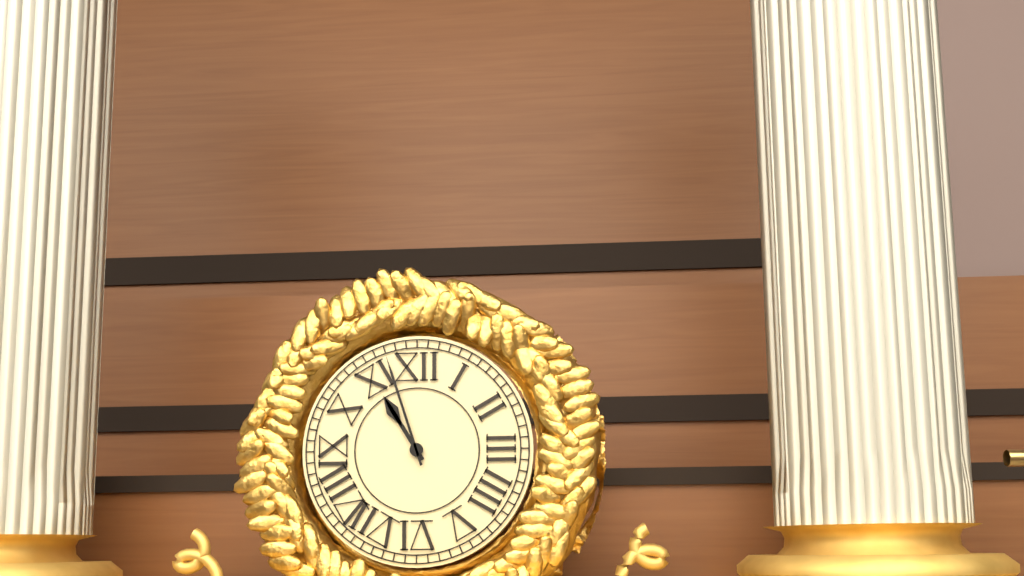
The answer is 10:57
